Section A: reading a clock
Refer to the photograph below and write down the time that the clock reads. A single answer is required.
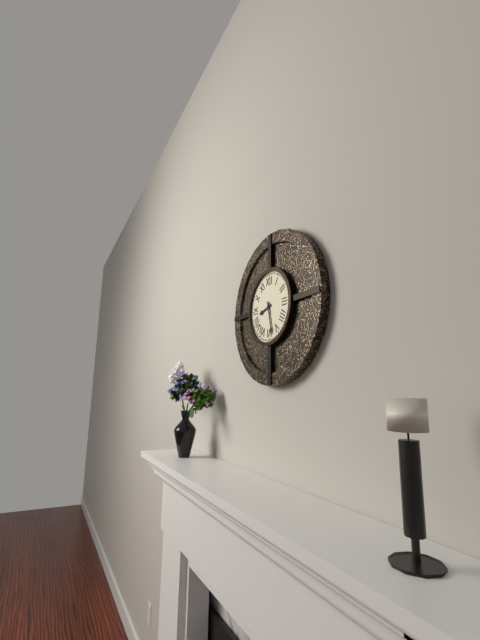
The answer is 8:28
